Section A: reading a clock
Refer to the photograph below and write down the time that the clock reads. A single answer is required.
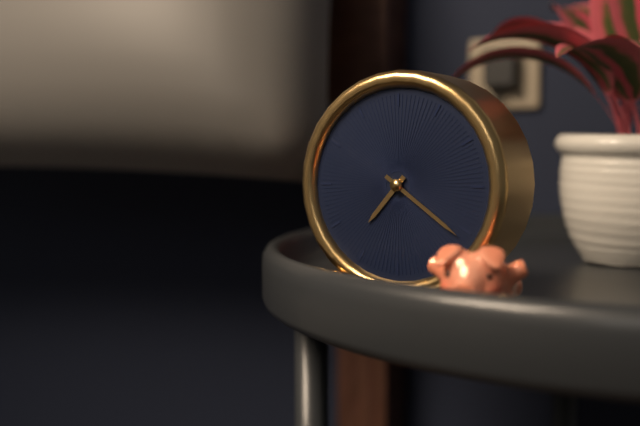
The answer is 7:21
